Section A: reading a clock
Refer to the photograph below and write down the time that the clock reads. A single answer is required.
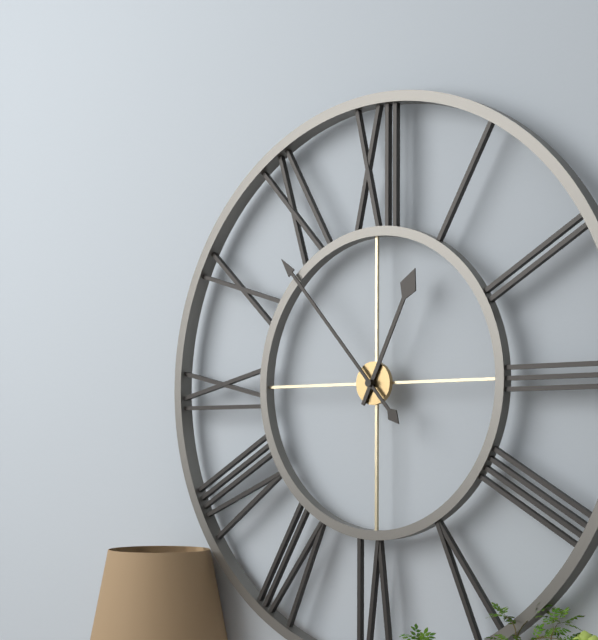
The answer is 12:53
